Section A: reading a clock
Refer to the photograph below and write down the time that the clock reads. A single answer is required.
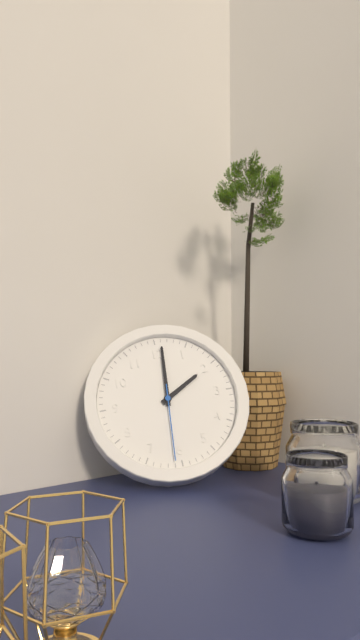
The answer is 2:01:31
